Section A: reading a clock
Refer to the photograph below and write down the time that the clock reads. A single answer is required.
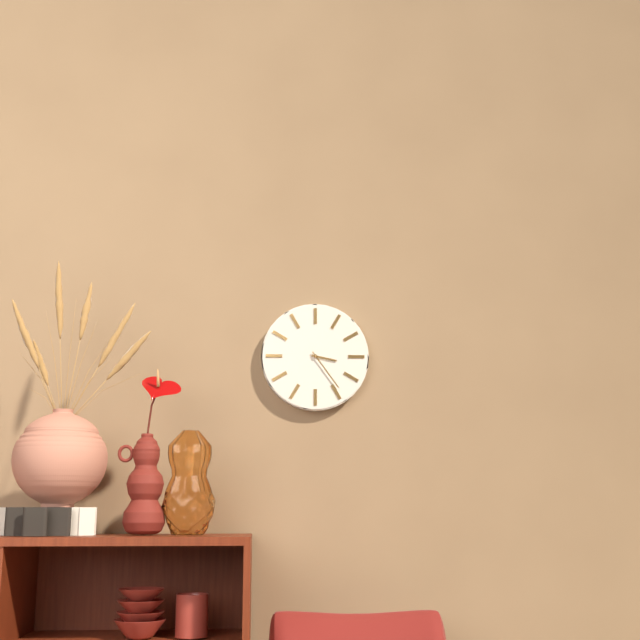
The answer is 3:24
